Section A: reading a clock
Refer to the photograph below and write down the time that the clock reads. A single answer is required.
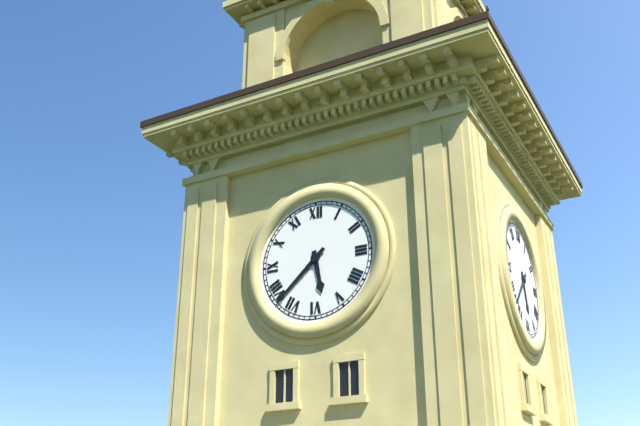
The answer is 5:38
